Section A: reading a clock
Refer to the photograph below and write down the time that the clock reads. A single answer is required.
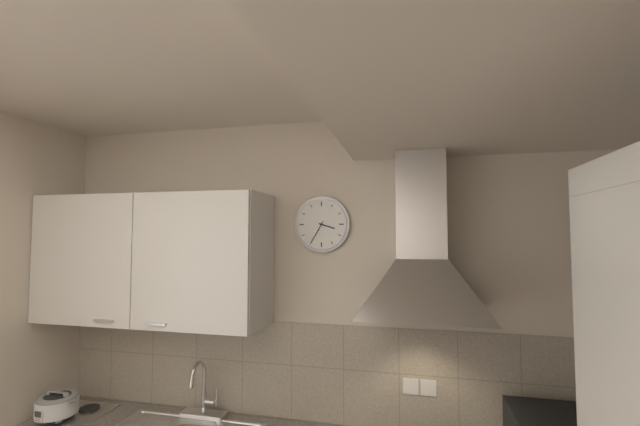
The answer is 3:35
